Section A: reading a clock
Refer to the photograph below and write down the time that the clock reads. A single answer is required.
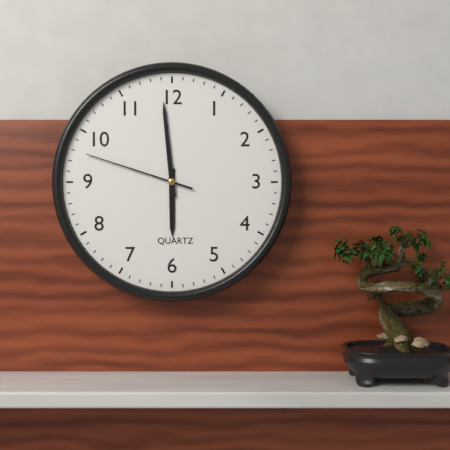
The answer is 5:59:48
